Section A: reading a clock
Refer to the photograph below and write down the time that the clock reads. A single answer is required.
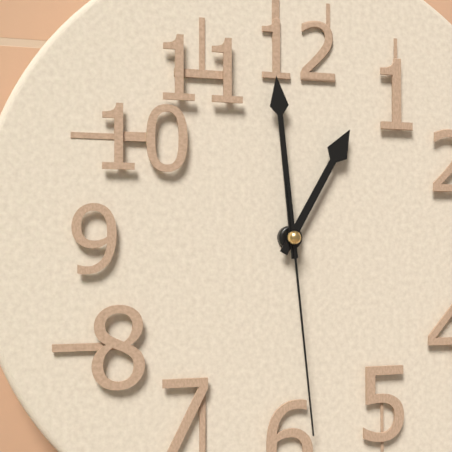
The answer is 12:59:29
